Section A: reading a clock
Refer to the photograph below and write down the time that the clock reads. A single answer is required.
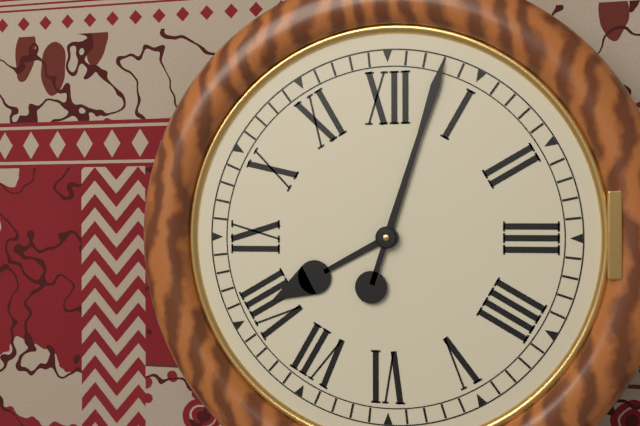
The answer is 8:03
